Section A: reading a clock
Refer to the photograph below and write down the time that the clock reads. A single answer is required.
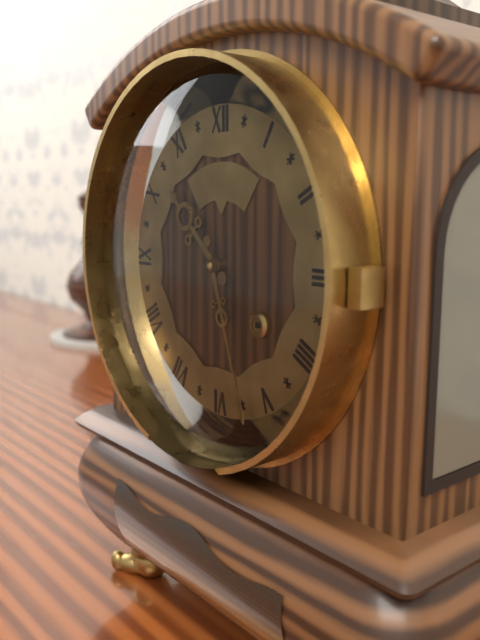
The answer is 10:27
